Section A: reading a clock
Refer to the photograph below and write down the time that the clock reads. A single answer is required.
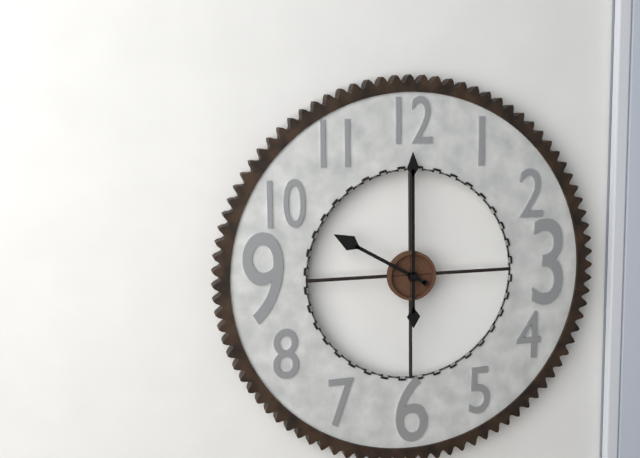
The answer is 10:00
